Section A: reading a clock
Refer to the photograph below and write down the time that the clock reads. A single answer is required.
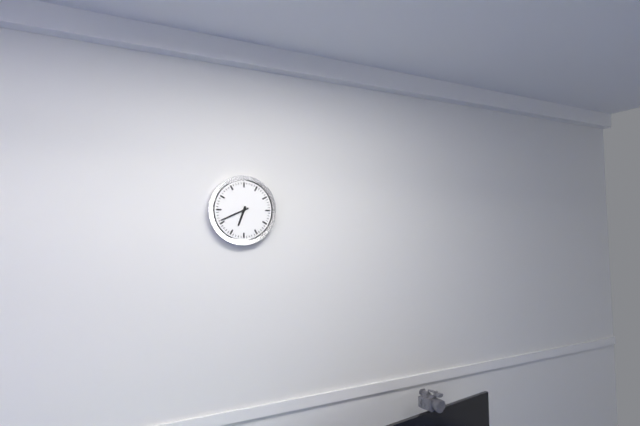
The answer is 6:41
